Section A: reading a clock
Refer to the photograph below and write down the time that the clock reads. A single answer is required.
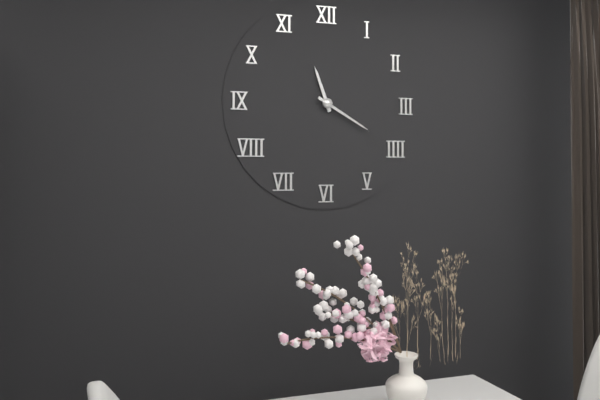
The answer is 11:20
